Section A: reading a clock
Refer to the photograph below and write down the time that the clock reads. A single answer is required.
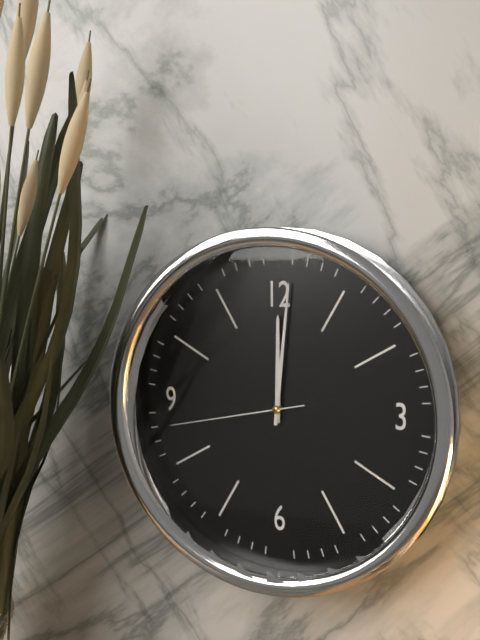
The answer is 12:01:43
